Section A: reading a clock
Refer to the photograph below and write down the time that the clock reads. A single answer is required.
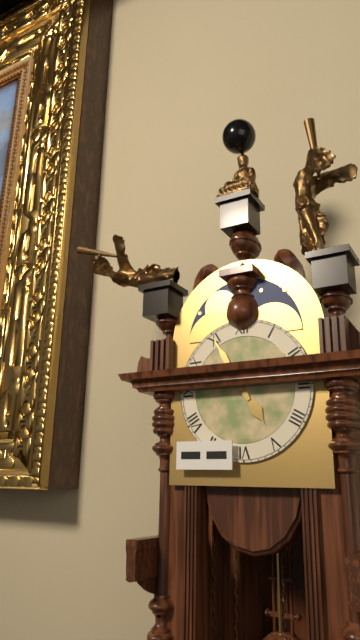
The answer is 4:55
